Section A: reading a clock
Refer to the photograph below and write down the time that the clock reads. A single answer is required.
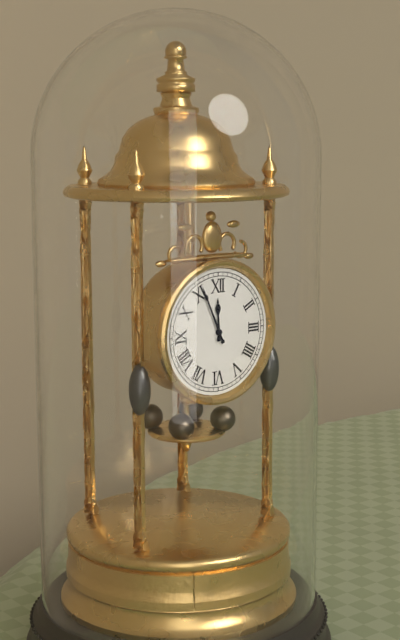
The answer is 11:56
